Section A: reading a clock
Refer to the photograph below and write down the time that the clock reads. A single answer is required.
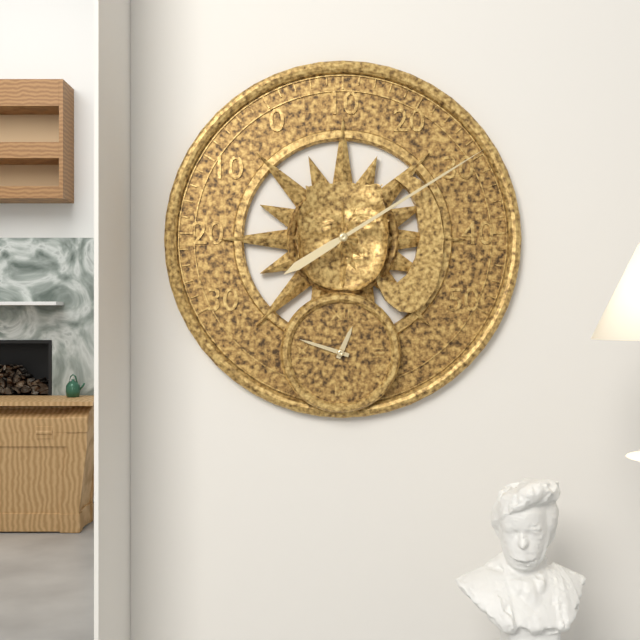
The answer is 12:48
